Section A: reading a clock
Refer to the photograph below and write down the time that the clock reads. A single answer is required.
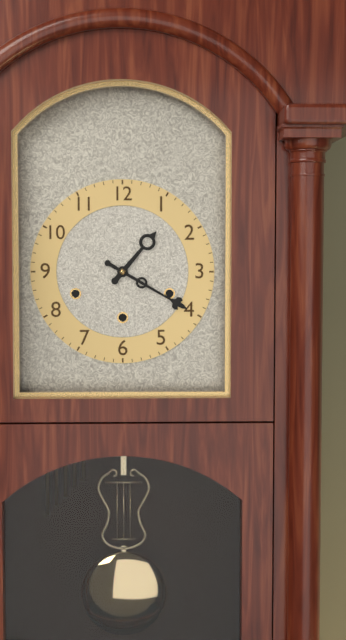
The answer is 1:20
